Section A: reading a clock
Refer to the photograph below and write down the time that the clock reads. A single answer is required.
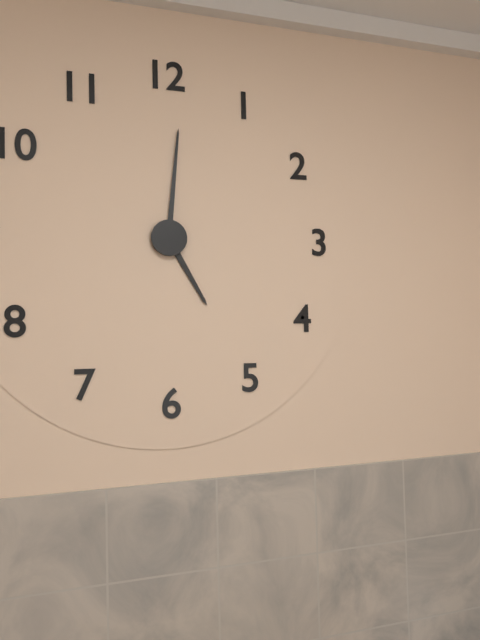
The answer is 5:01
